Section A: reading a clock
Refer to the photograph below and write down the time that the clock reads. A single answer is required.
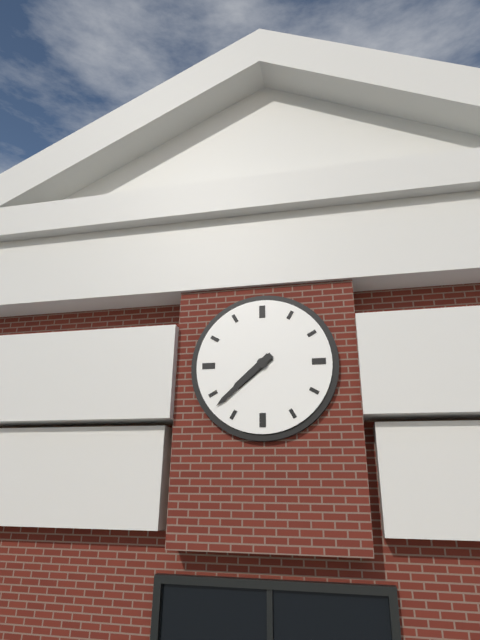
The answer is 7:38
